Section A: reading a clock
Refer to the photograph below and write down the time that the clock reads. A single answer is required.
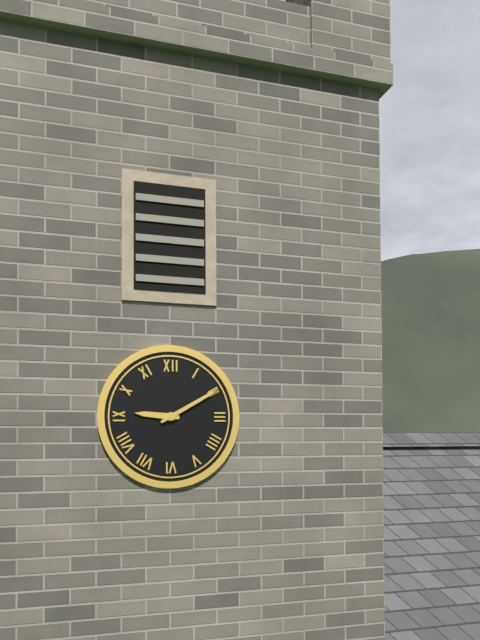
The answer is 9:10
